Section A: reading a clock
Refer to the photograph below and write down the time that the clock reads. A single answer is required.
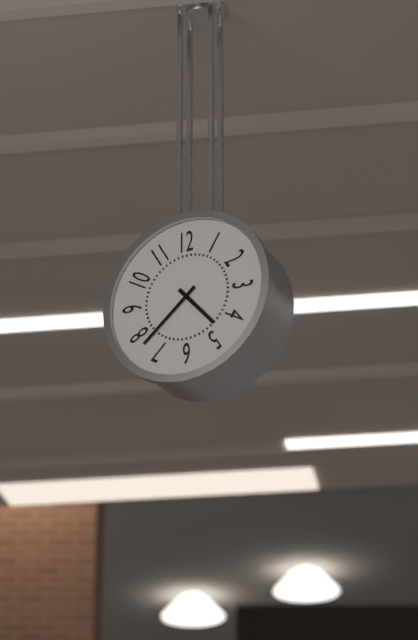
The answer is 4:38
